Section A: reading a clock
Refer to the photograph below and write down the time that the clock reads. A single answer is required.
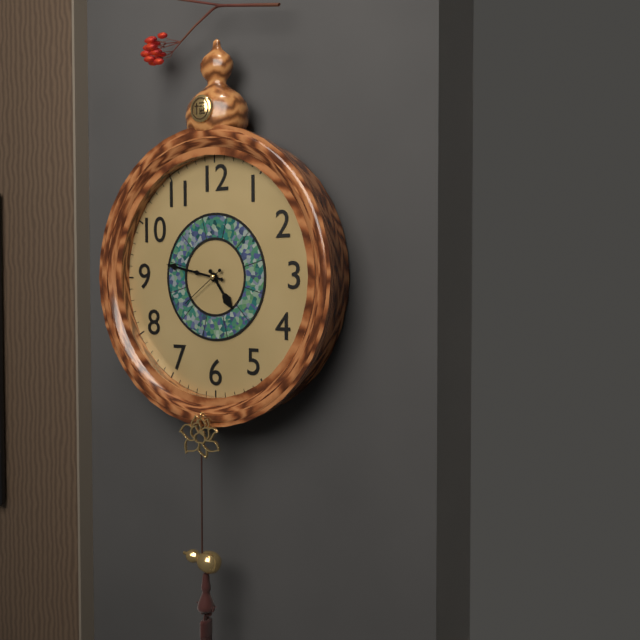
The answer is 4:47:39
